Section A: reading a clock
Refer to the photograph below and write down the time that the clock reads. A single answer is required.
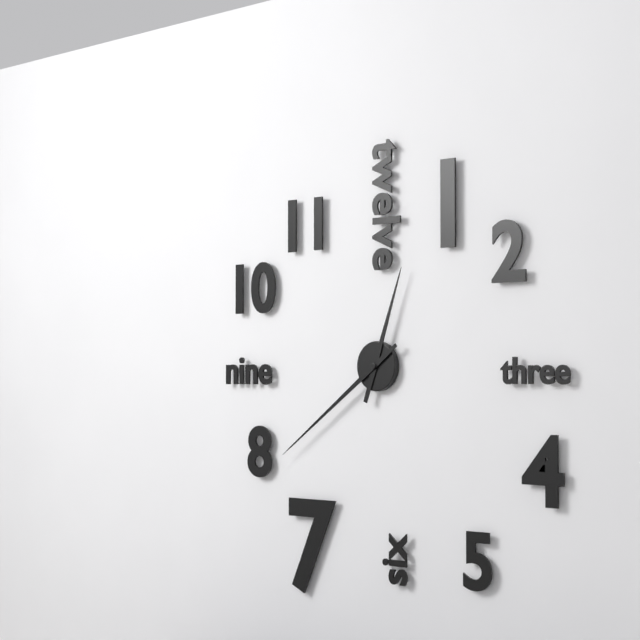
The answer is 12:39
